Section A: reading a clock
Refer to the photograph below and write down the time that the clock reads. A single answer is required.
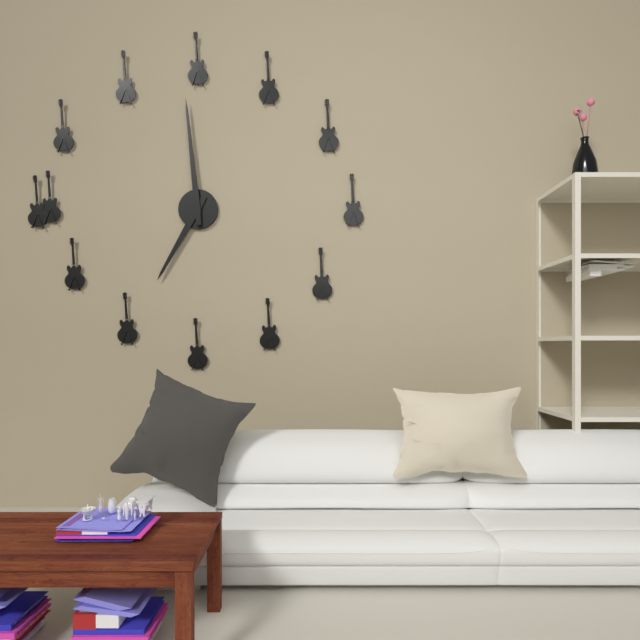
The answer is 6:59
